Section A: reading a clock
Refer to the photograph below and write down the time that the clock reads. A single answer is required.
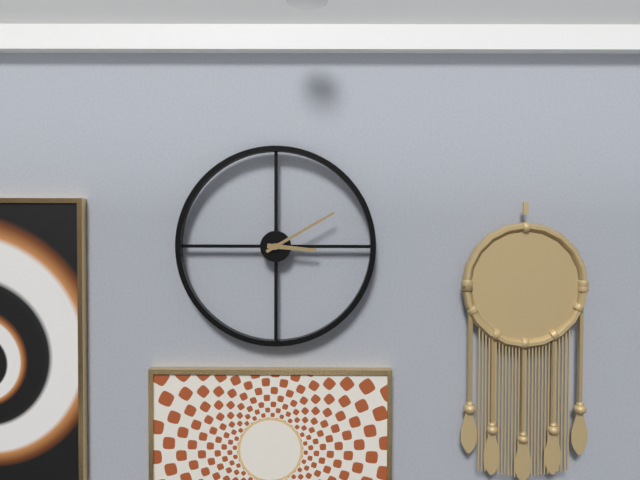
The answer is 3:10
